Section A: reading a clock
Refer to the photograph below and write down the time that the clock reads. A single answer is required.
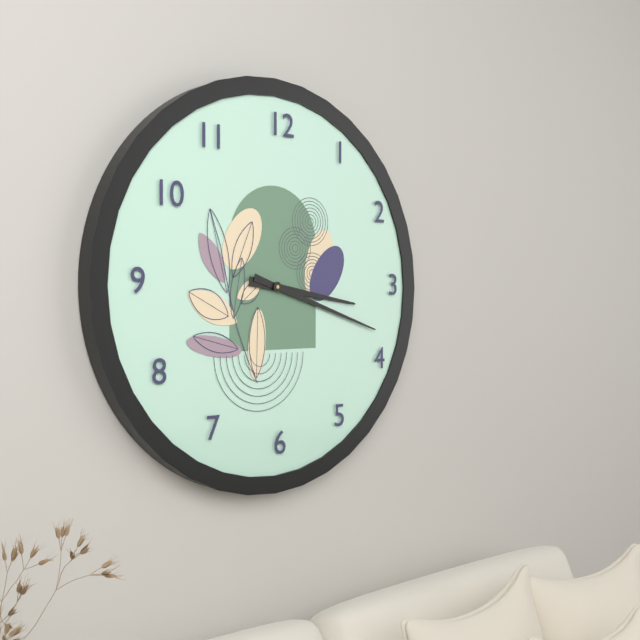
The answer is 3:18
